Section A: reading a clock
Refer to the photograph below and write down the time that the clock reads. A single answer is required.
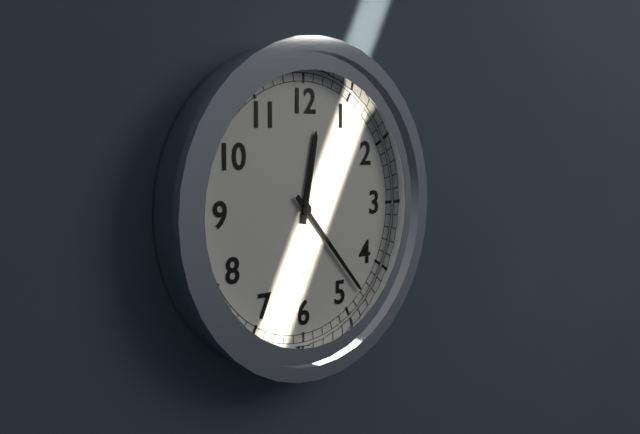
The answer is 12:23
